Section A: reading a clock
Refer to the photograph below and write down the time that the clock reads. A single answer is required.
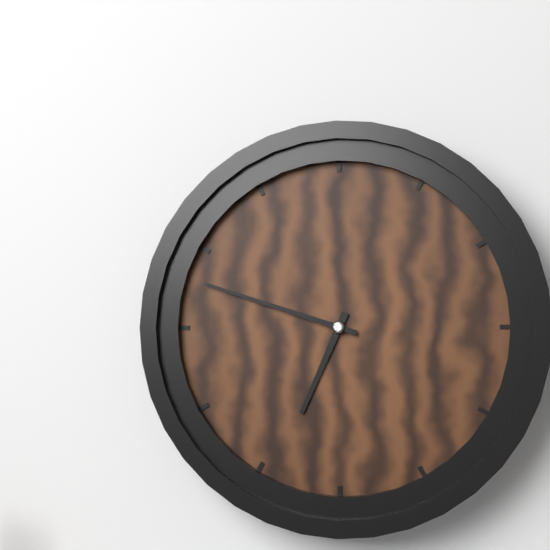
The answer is 6:48
